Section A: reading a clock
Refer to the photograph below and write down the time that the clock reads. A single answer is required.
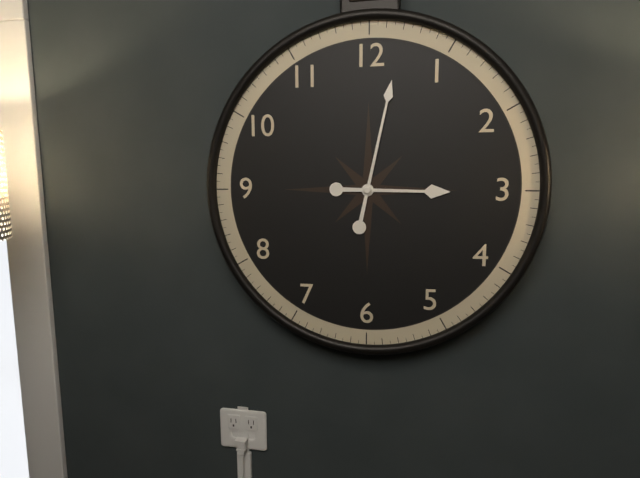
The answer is 3:02
